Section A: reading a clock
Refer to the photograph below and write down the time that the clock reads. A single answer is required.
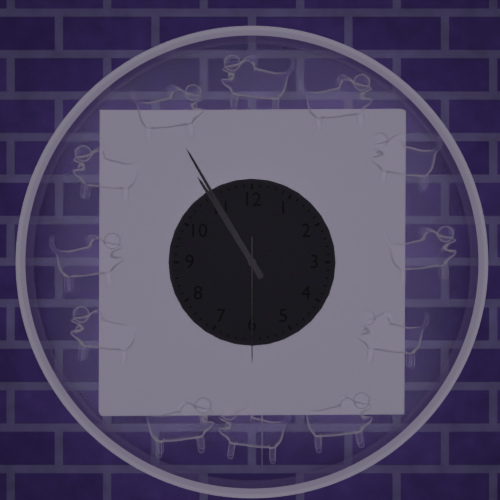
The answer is 10:55:30
